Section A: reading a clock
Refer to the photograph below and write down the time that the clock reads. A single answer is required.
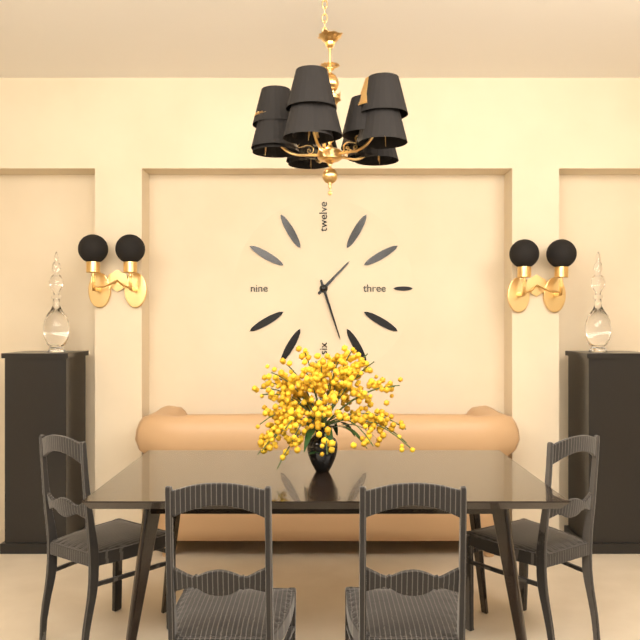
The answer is 1:27
